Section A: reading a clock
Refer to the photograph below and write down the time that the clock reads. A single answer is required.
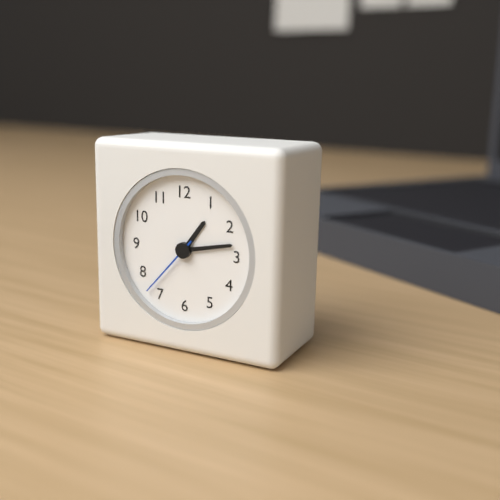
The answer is 1:13:37
